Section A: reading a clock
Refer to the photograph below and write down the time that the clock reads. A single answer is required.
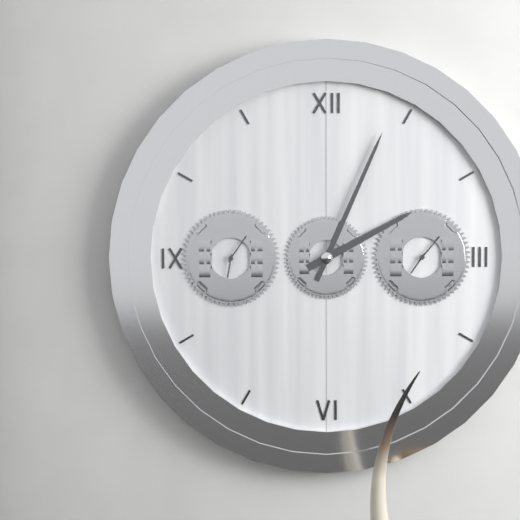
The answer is 2:04
